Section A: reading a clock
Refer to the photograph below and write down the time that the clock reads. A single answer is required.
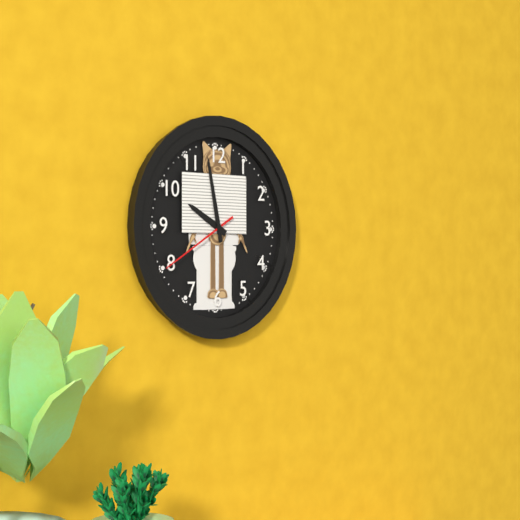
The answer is 9:58:40
